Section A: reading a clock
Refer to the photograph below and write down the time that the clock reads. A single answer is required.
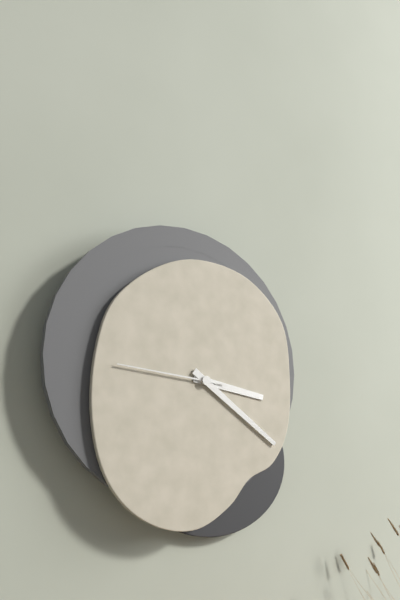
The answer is 3:21:46
